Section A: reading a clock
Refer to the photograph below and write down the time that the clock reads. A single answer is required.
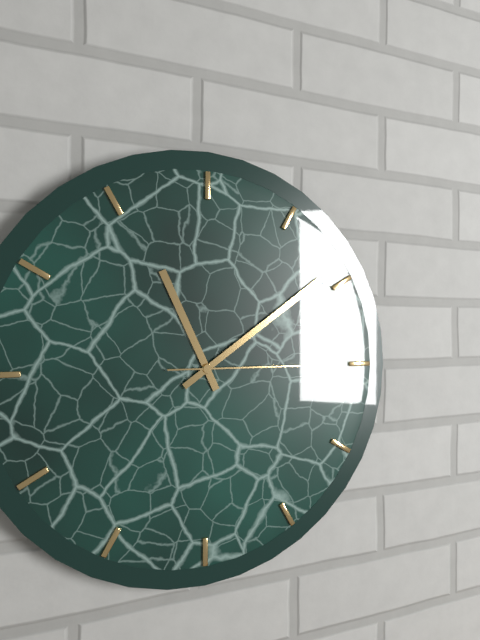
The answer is 11:09:15
